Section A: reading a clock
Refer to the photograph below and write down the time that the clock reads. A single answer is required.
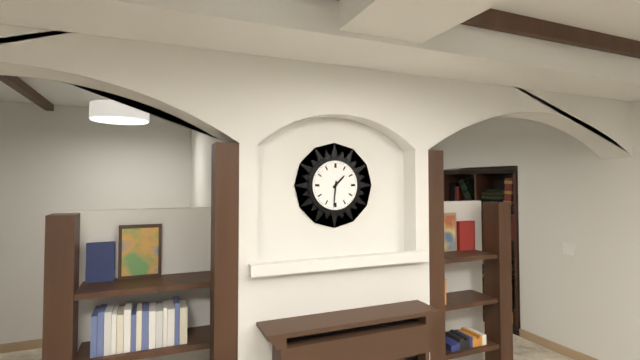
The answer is 1:31
